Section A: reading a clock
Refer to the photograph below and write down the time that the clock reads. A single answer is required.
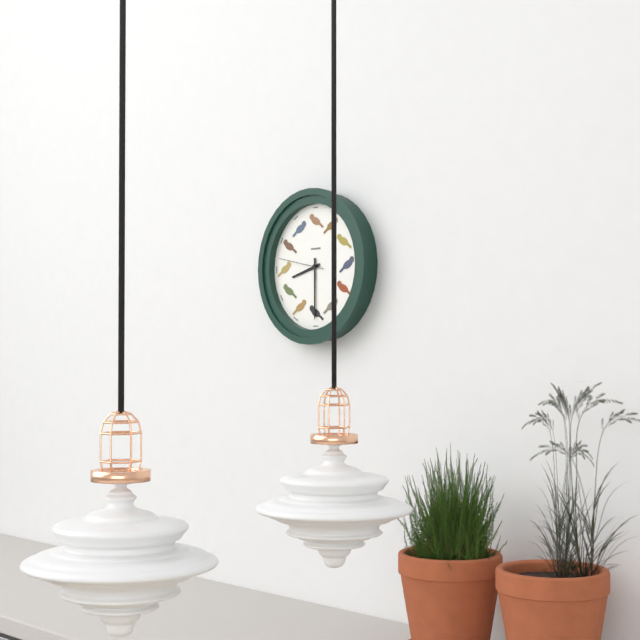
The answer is 8:30
